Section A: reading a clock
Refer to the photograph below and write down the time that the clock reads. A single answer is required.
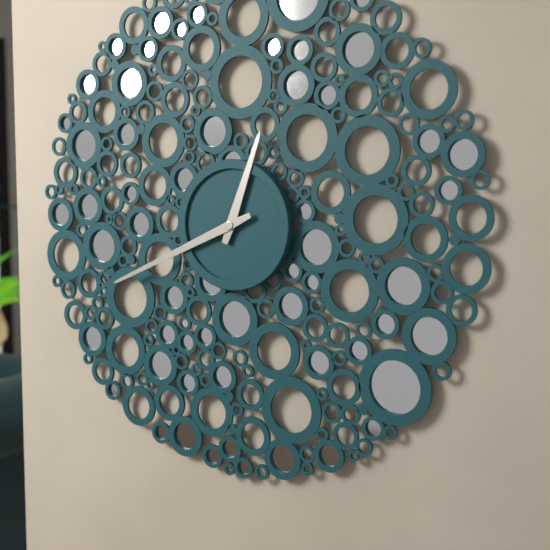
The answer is 12:41
